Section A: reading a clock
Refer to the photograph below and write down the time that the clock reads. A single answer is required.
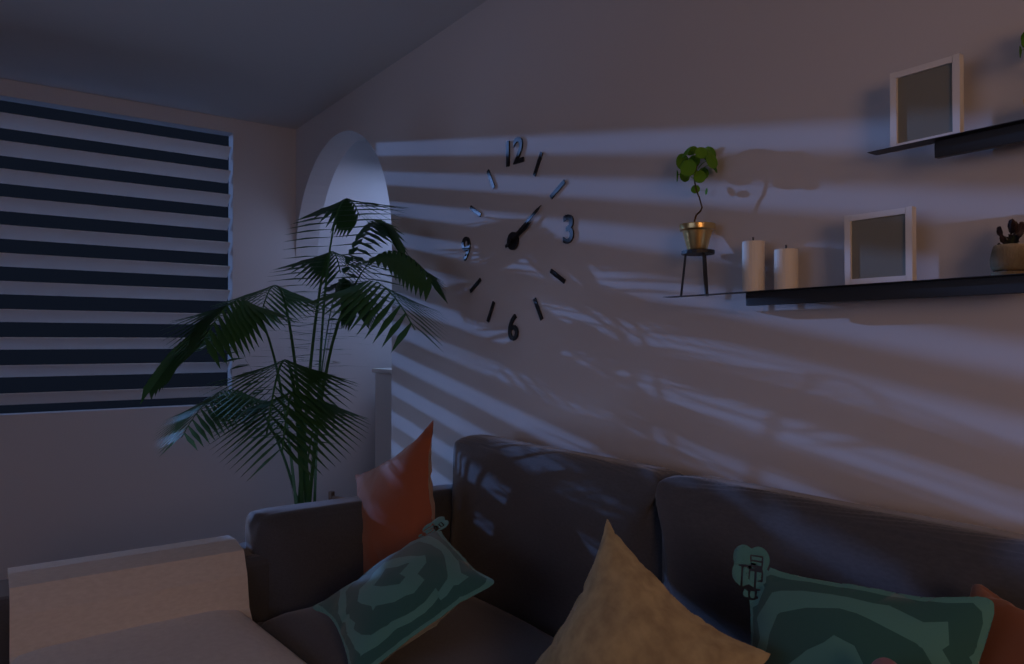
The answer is 2:10
